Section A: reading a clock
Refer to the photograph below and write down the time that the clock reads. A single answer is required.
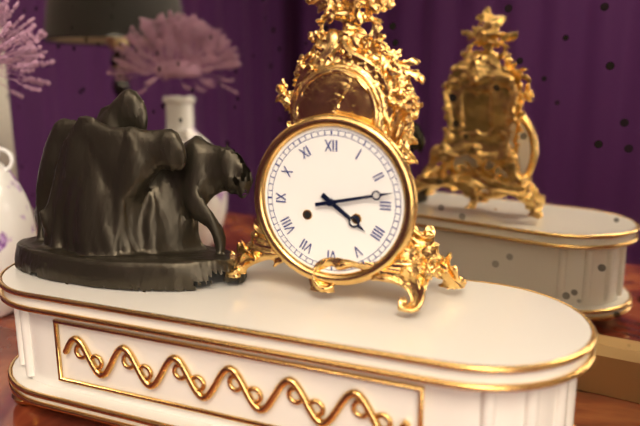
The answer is 4:13
